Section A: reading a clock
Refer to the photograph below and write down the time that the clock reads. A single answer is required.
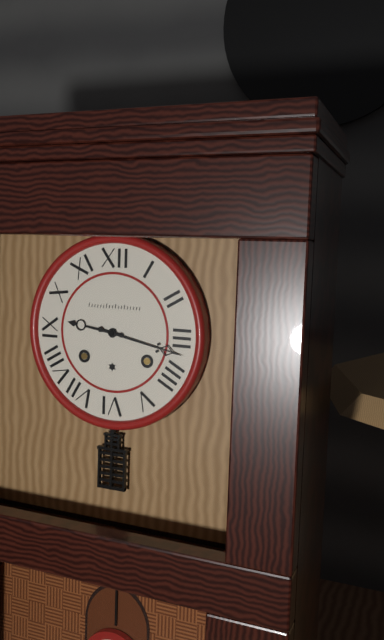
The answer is 9:17
